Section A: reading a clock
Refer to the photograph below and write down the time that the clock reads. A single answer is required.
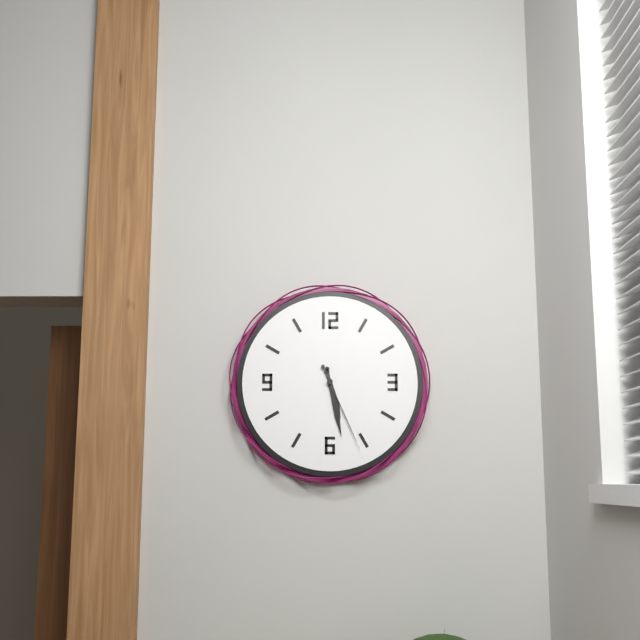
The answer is 5:28:26
